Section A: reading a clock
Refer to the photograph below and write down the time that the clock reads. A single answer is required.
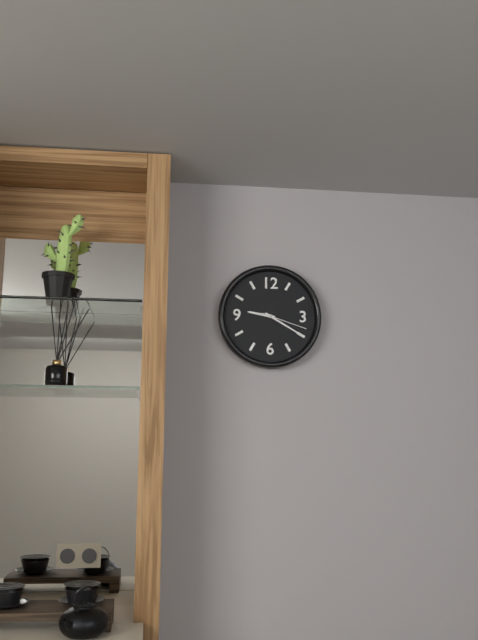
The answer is 9:20
